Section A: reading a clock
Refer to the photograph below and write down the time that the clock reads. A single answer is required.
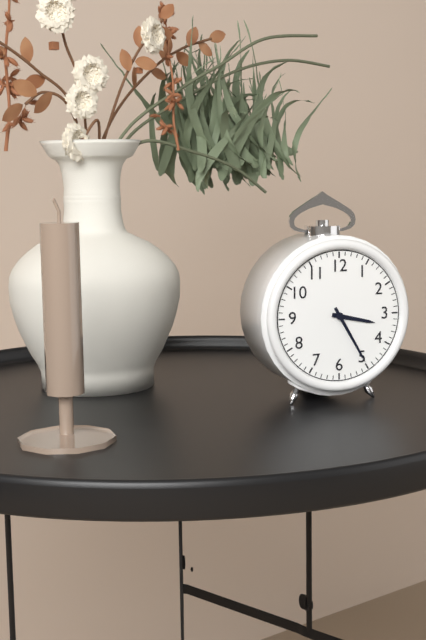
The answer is 3:25
